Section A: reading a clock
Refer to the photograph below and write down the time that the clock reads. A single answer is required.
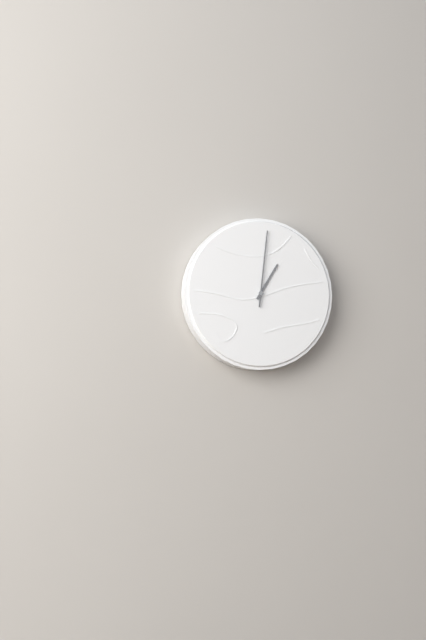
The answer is 1:01
